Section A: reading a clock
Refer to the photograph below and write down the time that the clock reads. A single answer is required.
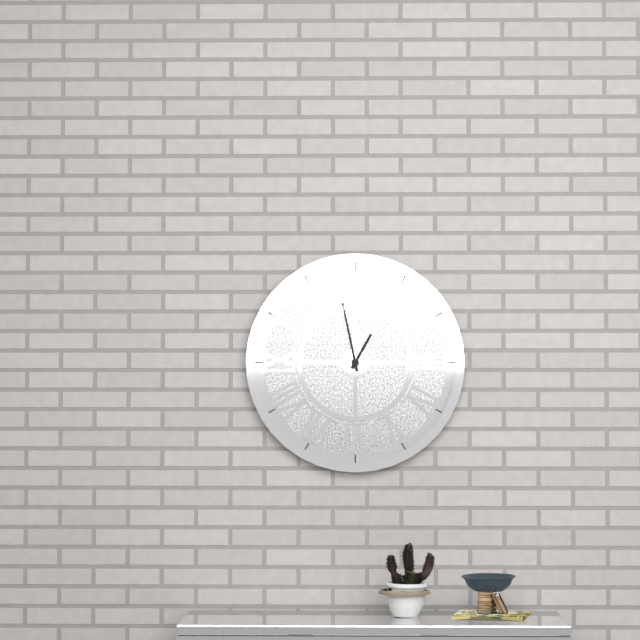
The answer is 12:58
